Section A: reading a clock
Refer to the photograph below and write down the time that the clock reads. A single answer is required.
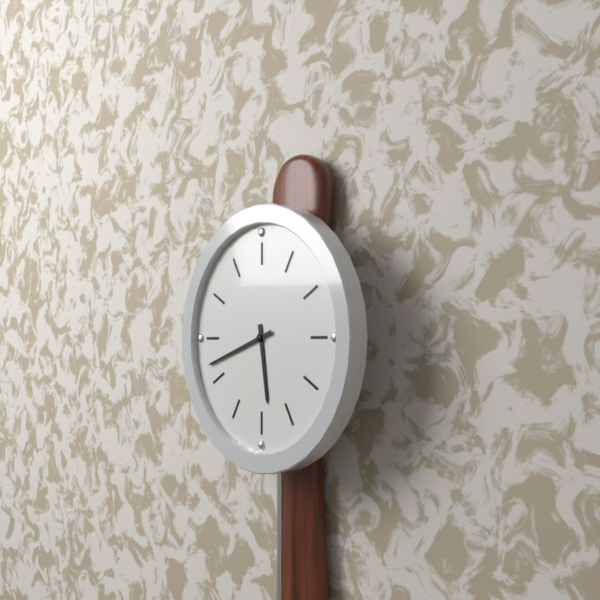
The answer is 5:42
